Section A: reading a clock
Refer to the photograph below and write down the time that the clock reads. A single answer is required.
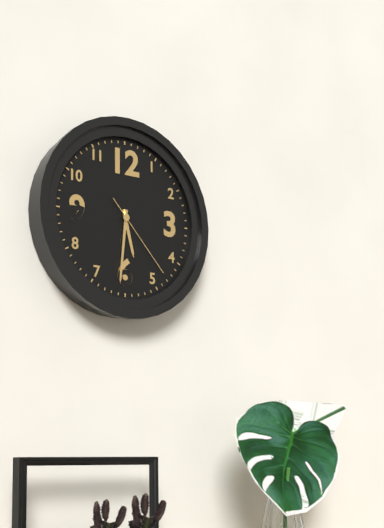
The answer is 5:31:23
